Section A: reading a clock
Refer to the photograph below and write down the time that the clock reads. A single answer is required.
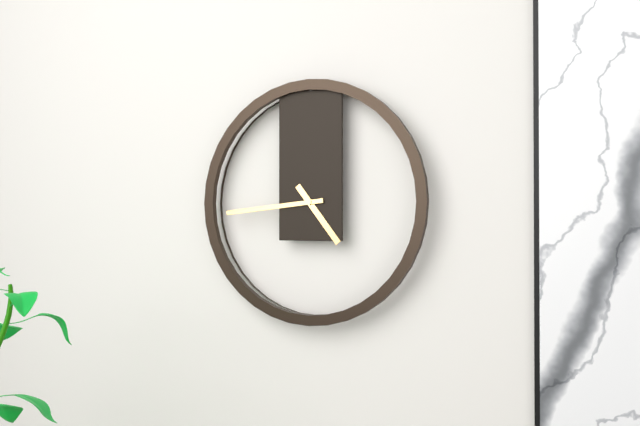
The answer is 4:44
